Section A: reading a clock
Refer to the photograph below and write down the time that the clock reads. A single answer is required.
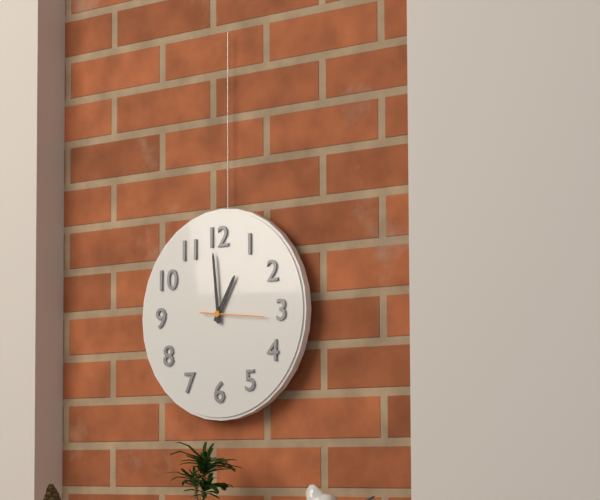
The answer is 12:59:16
